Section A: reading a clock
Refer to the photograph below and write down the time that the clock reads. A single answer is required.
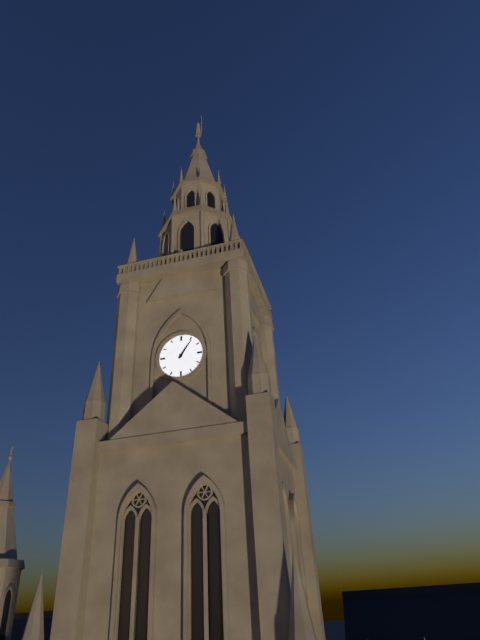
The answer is 1:06
